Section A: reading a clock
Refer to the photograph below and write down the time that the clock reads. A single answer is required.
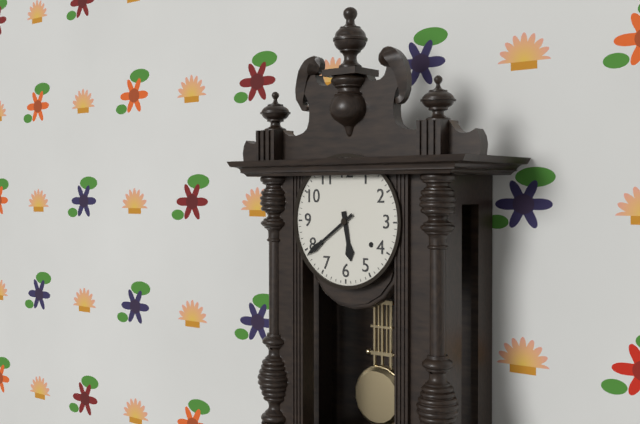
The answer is 5:39
